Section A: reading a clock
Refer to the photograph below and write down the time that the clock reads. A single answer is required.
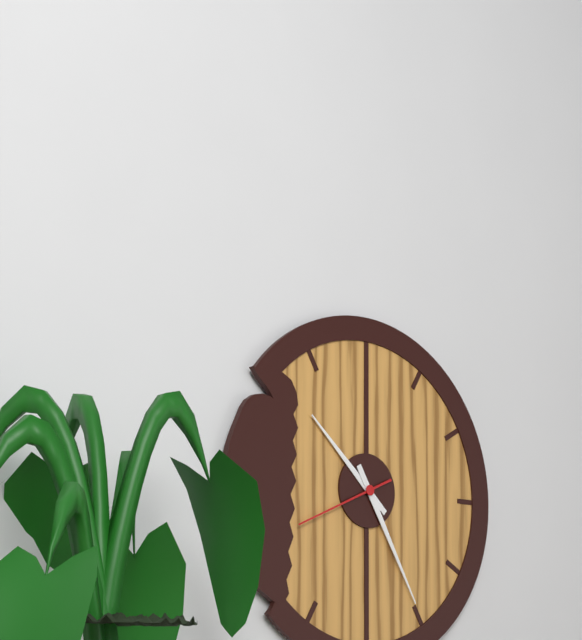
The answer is 10:25:41
